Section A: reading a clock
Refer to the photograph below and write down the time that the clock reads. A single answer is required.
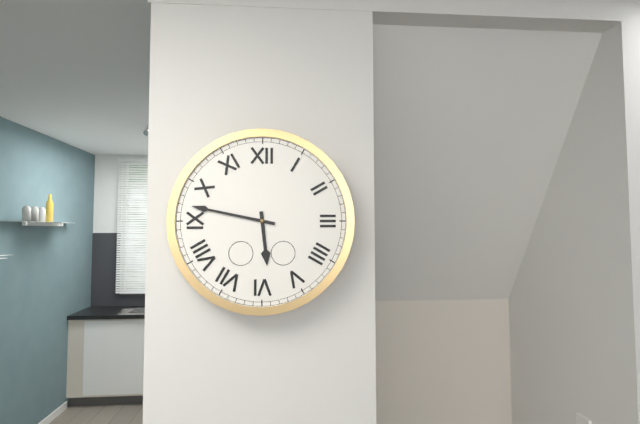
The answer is 5:47
